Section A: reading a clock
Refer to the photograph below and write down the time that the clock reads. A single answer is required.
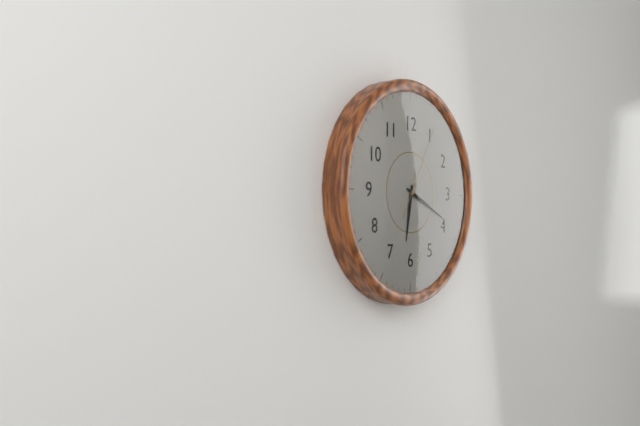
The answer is 6:19:05
